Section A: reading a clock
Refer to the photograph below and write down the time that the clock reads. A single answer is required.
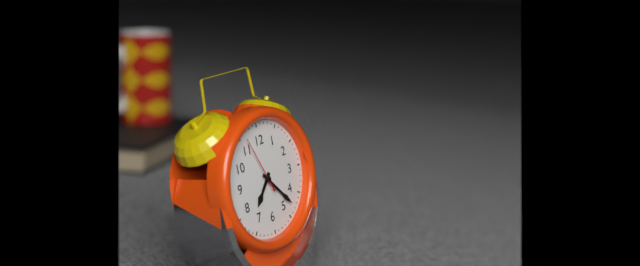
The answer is 7:23:56
